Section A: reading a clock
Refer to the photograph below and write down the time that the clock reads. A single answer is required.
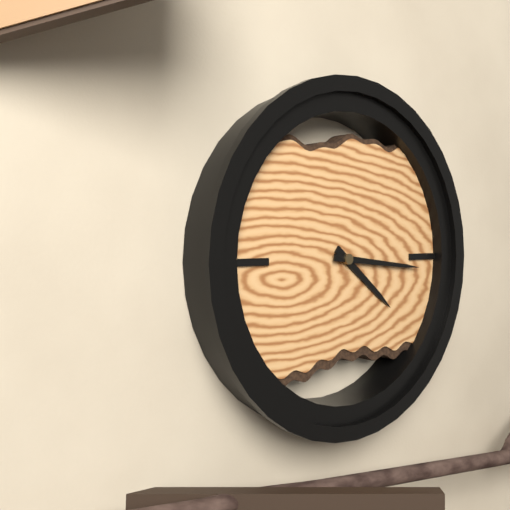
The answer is 4:16
